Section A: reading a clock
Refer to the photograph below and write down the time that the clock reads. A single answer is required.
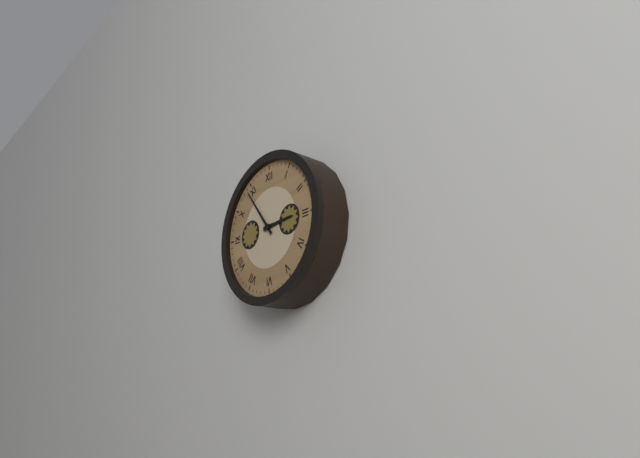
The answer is 2:54
